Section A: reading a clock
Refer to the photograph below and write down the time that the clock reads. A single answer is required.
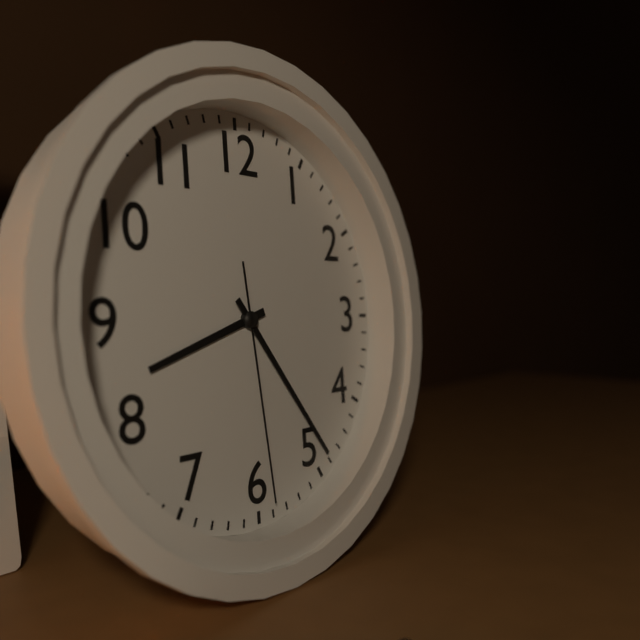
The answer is 8:24:29
